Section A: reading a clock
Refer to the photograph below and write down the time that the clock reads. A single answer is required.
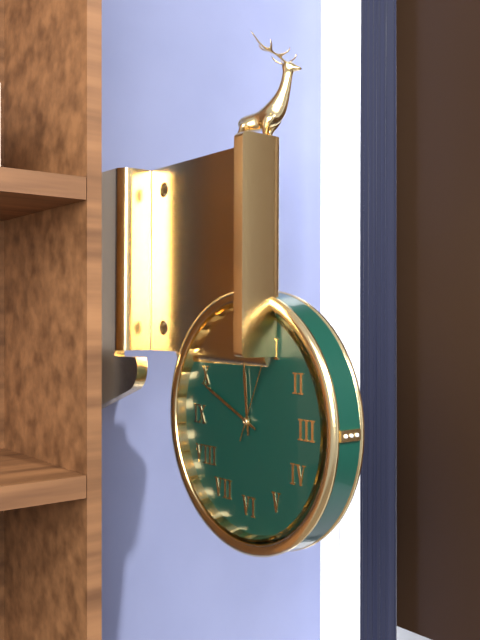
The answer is 11:49:04
